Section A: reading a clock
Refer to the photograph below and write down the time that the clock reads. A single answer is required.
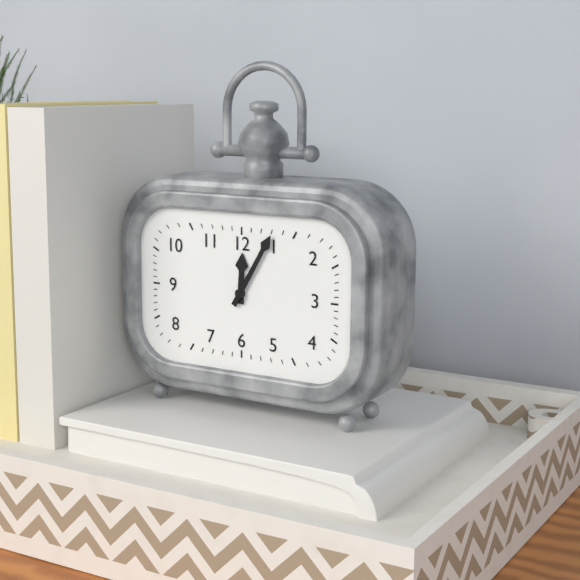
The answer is 12:05
